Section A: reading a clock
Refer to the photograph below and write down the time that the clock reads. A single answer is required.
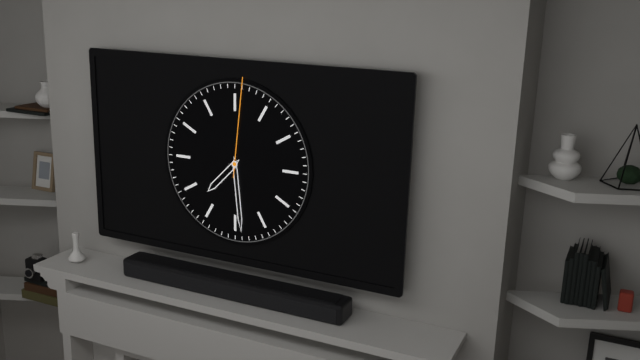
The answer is 7:29:01
